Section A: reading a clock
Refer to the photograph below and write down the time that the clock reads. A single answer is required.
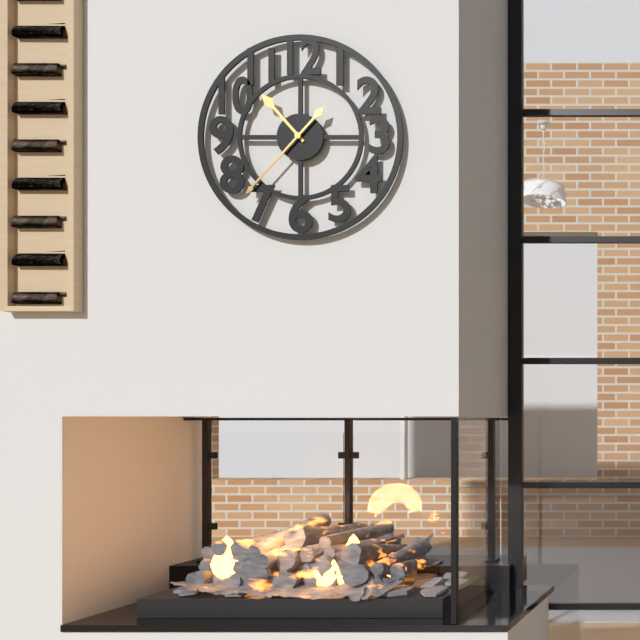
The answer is 10:37
